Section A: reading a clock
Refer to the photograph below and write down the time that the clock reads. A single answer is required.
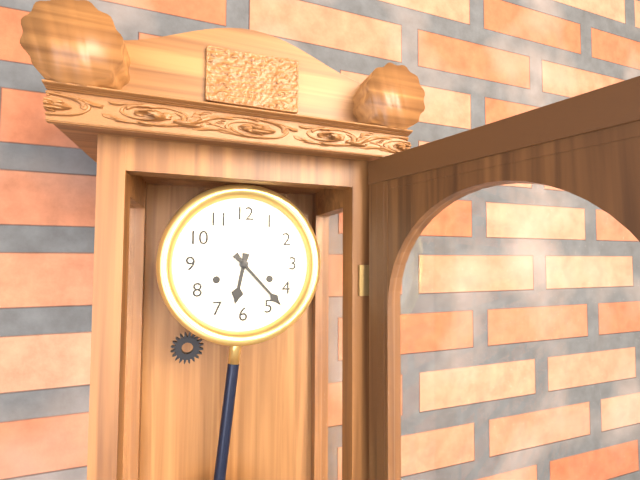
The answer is 6:23
